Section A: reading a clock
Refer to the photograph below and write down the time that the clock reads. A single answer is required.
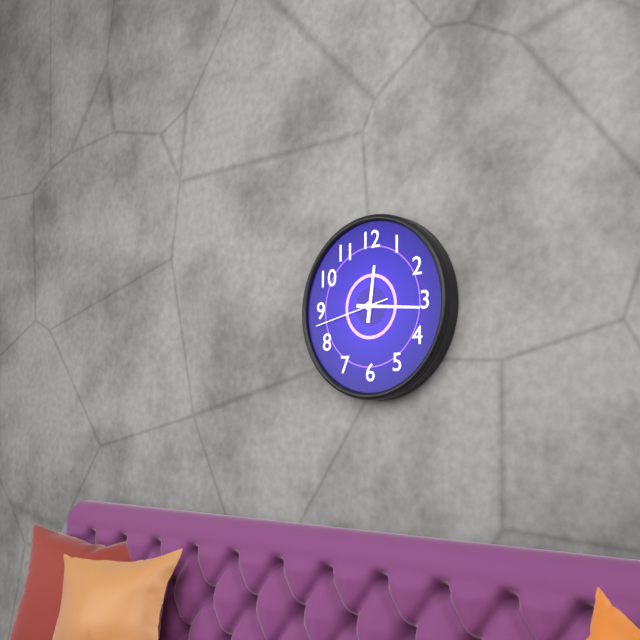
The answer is 12:16:43
